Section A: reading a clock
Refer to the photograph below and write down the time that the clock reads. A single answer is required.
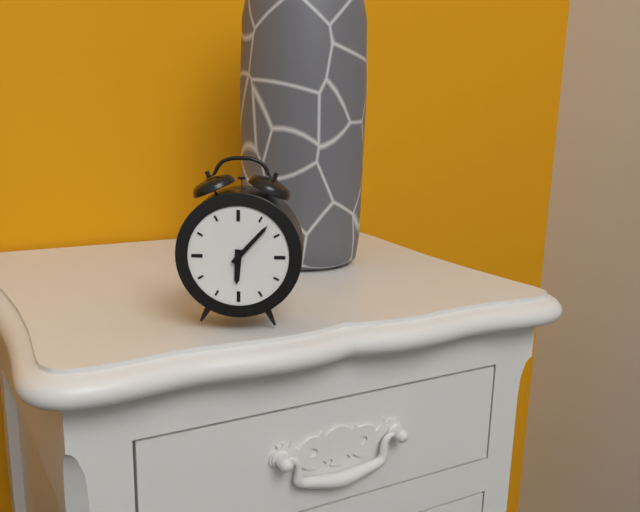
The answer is 6:07
